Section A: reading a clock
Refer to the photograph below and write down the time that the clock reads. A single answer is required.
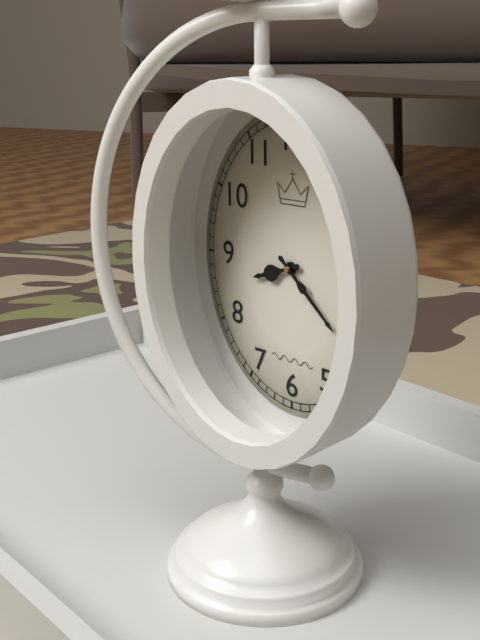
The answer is 8:22
